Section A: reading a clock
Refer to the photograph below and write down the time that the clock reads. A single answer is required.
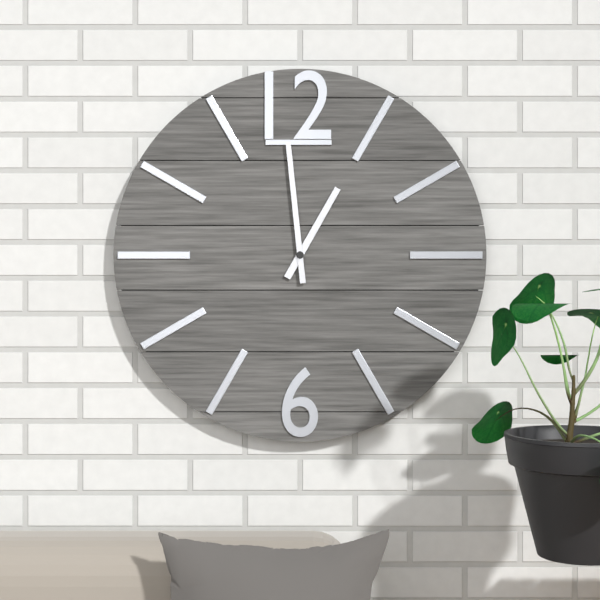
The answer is 12:59
